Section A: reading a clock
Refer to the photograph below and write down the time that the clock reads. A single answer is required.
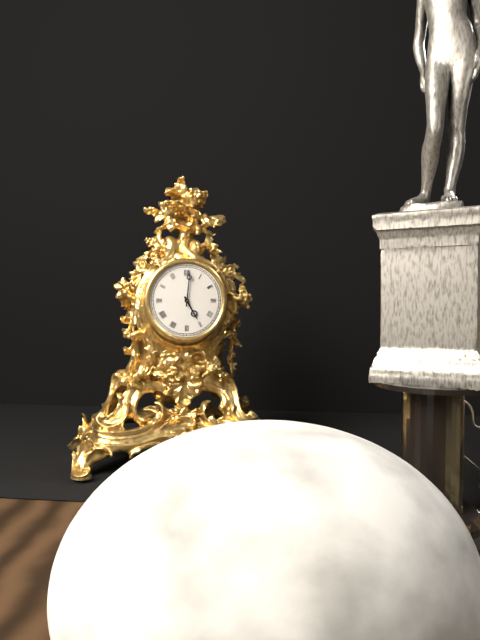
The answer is 5:01
